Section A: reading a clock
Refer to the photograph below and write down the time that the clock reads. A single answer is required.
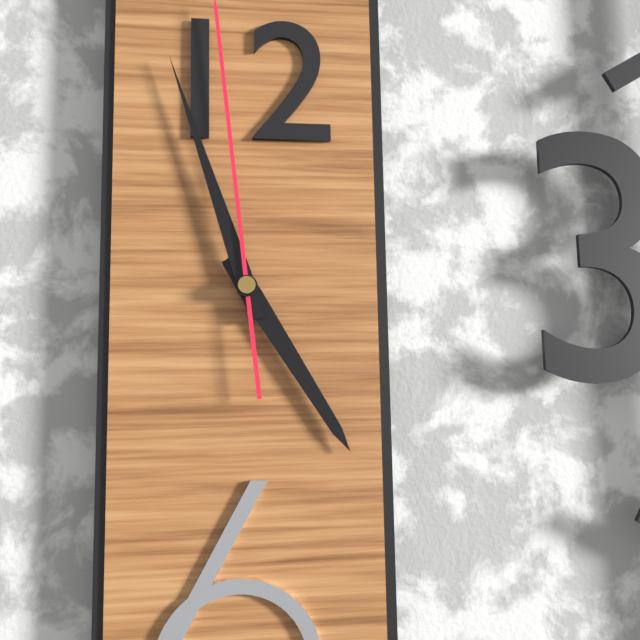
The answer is 4:57
